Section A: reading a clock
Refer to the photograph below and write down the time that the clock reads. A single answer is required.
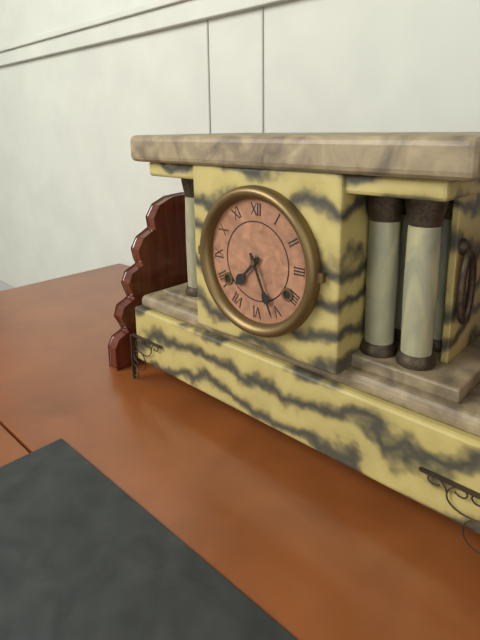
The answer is 7:26
